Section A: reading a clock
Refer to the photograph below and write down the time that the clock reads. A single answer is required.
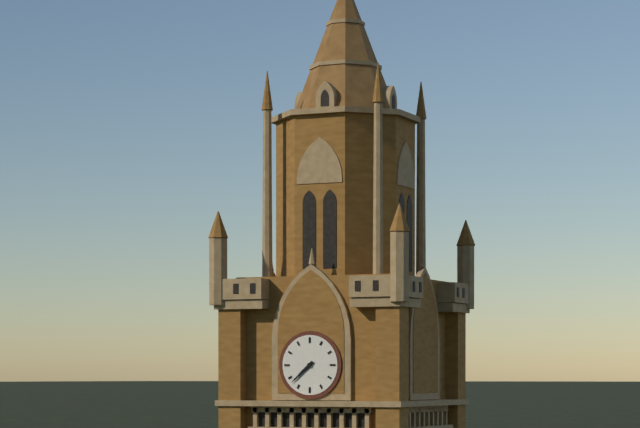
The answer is 7:38
